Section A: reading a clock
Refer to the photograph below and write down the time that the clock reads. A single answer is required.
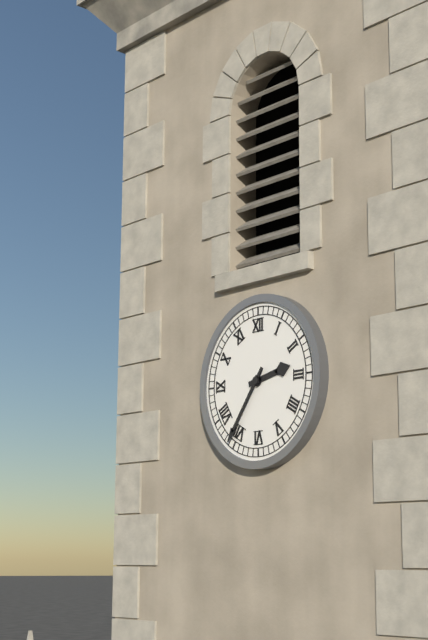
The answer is 2:36
